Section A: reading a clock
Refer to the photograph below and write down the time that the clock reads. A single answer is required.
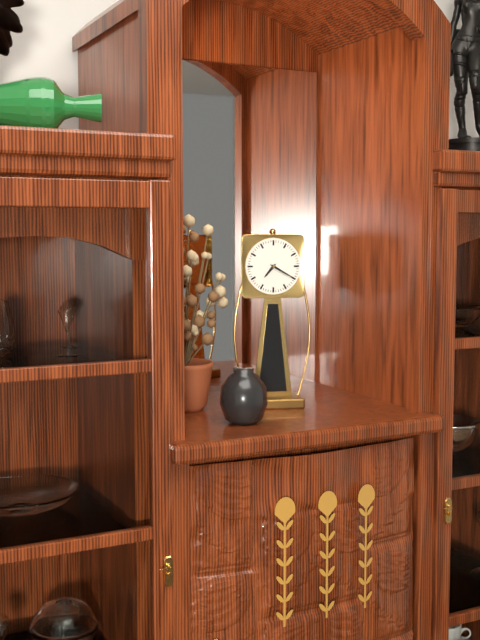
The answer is 7:20
